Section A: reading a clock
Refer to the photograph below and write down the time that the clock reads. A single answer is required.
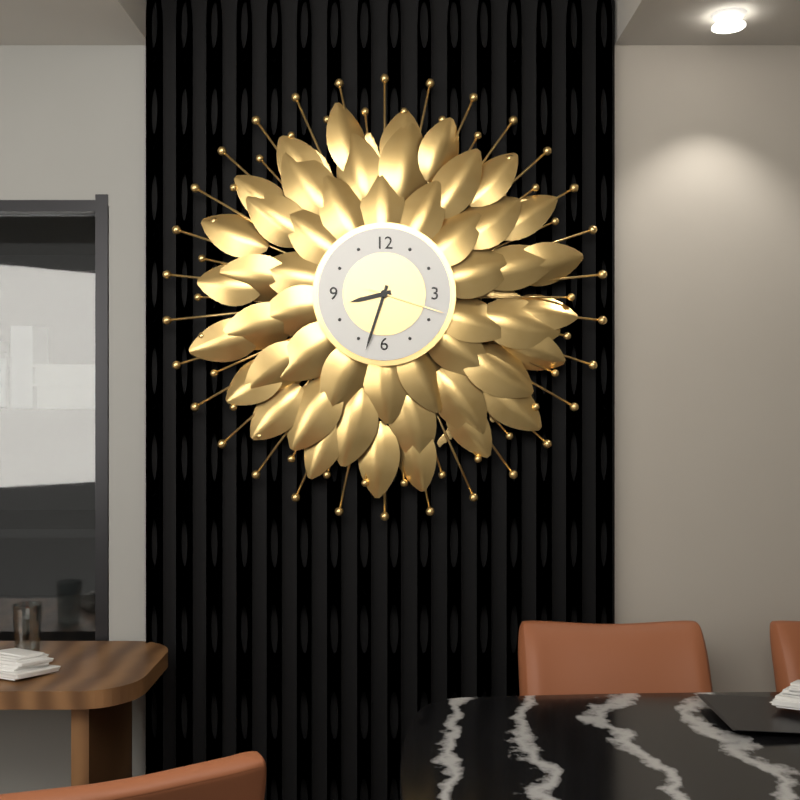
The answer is 8:33:18
